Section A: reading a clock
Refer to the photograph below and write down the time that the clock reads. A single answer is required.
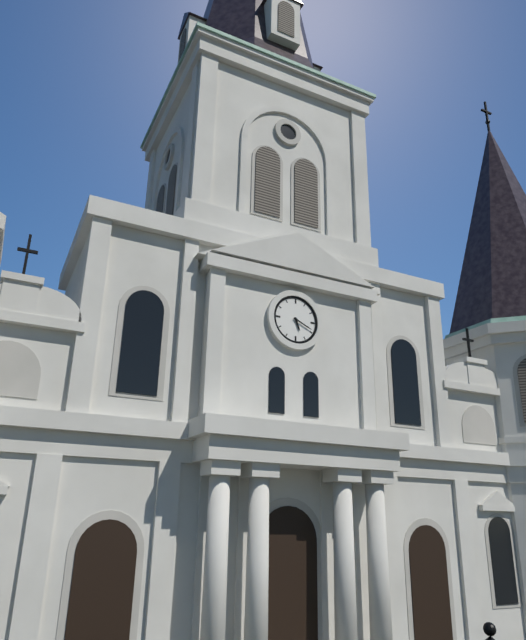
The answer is 5:19
